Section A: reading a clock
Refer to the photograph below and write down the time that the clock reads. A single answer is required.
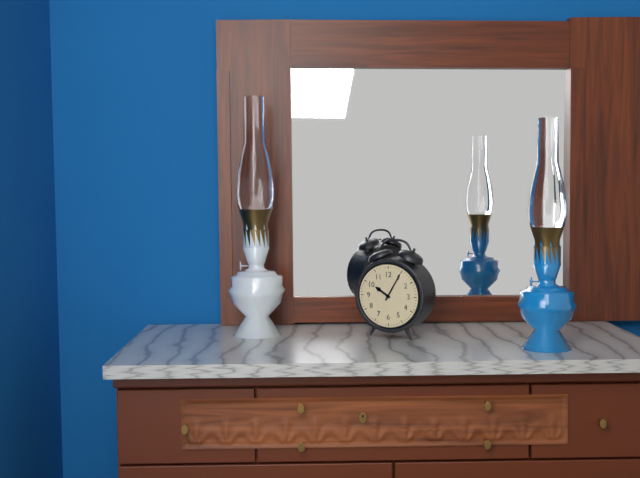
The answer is 10:05
